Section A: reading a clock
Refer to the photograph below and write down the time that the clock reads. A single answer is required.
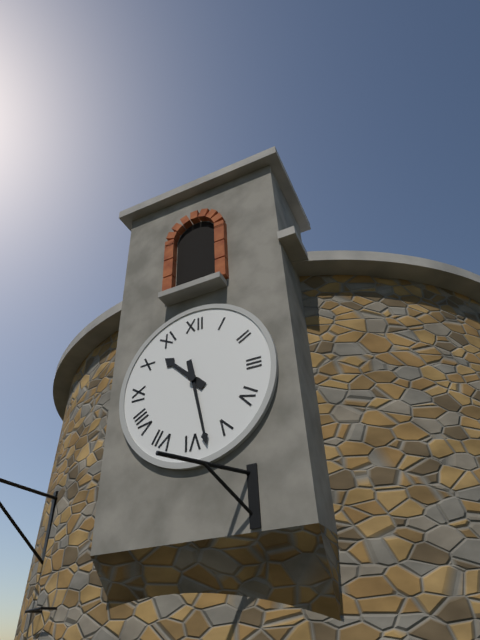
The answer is 10:28
